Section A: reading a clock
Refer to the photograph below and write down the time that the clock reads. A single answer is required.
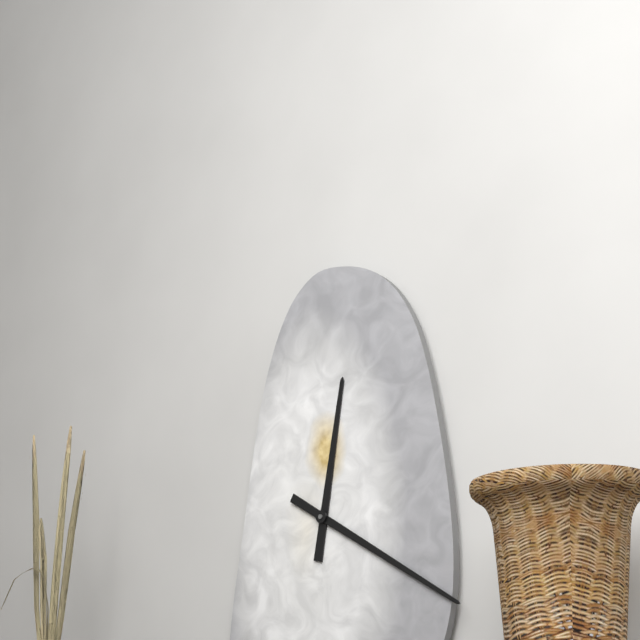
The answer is 12:20
